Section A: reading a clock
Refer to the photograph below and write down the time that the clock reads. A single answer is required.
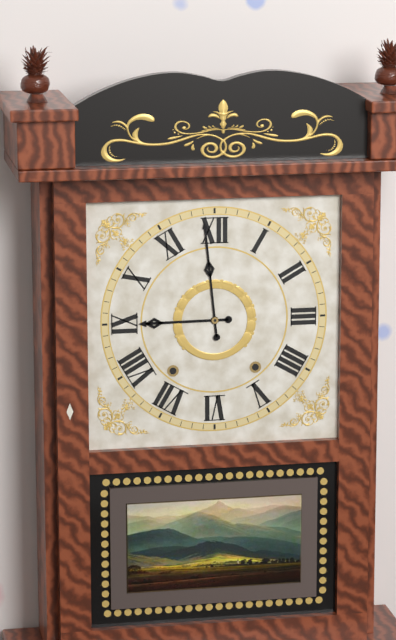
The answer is 8:59
